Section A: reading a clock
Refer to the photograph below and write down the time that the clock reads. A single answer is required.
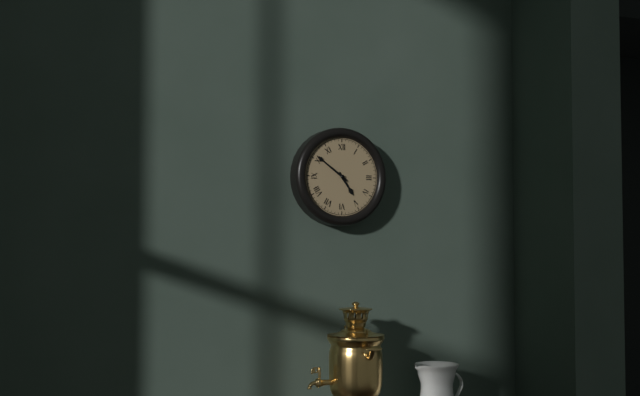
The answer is 4:51
